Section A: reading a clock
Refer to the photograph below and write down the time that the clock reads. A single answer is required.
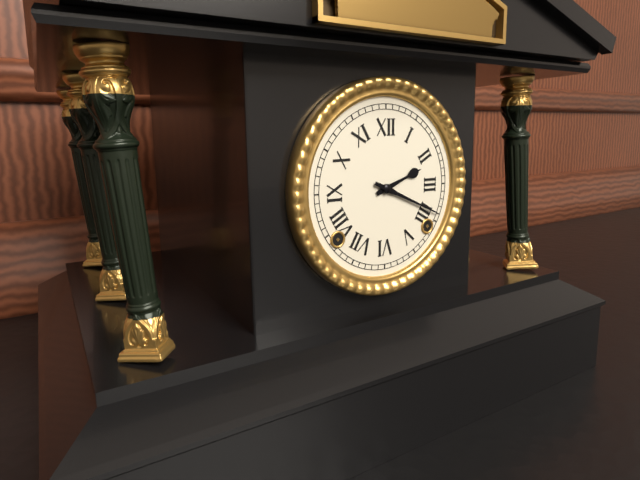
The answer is 2:19
